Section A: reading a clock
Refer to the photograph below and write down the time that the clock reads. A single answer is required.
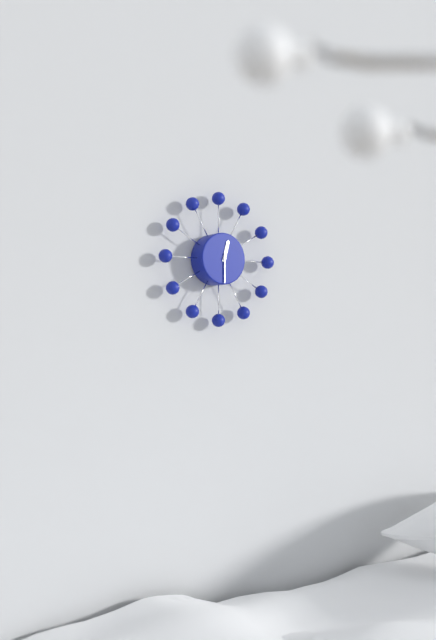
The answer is 12:30
